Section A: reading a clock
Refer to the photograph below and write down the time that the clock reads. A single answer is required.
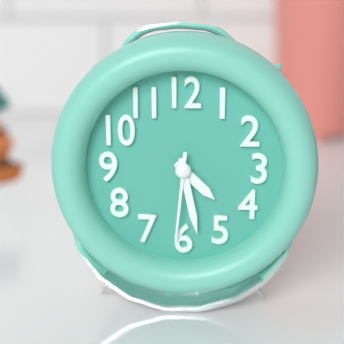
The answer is 4:28:31
